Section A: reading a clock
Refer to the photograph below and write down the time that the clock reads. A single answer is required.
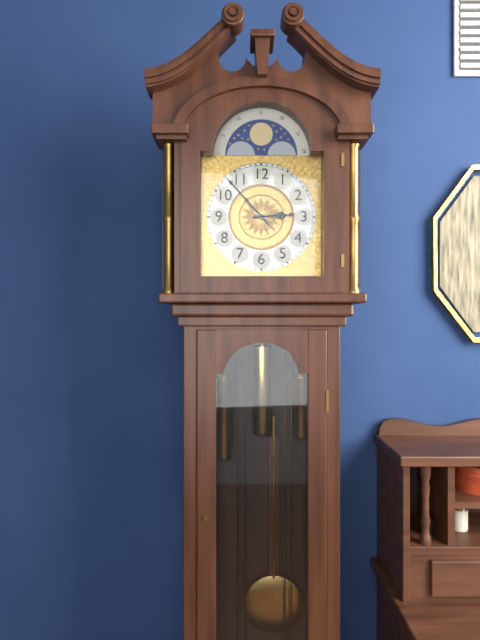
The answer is 2:53
